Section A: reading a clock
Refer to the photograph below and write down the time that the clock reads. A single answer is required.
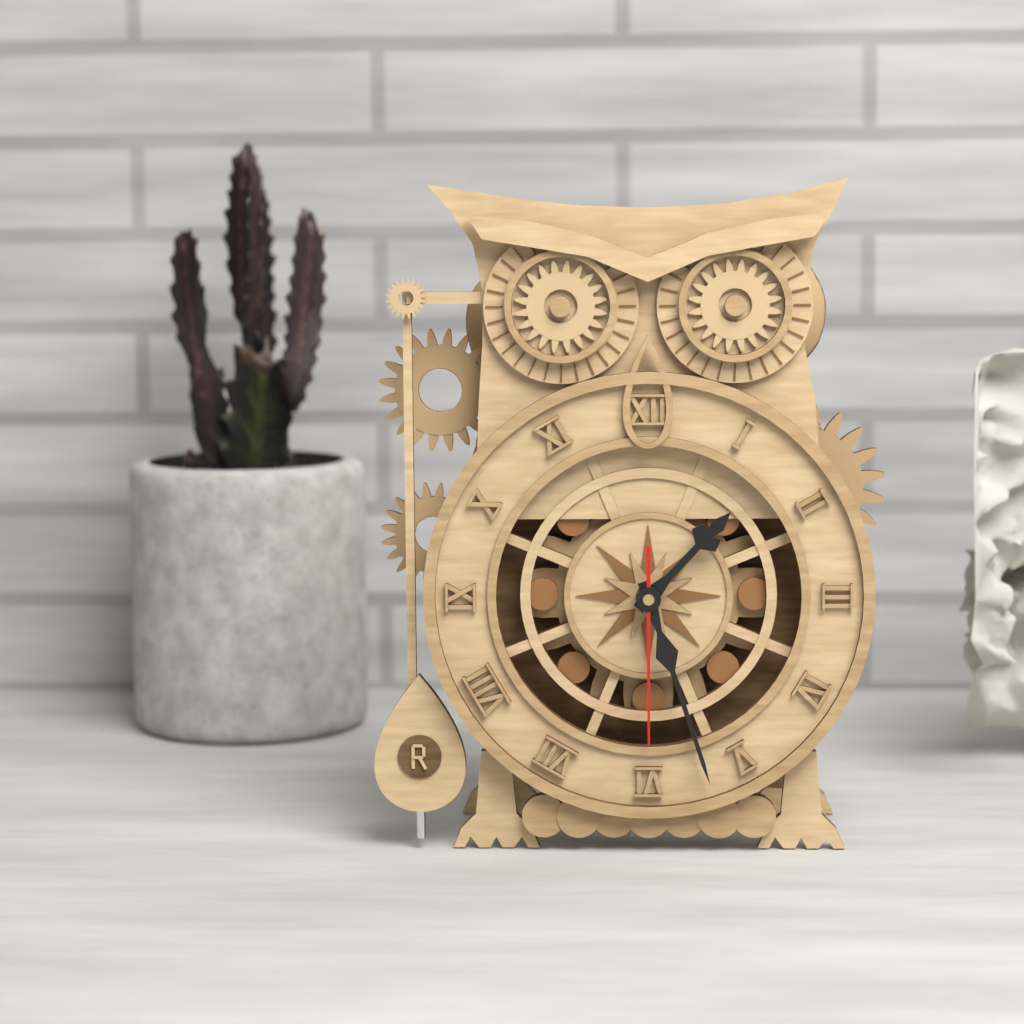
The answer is 1:27:30
